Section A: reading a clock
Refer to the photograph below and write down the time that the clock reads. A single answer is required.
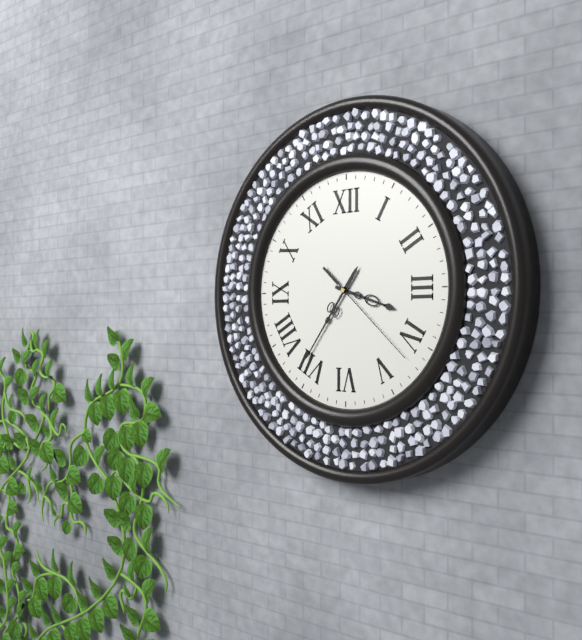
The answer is 3:36:22
